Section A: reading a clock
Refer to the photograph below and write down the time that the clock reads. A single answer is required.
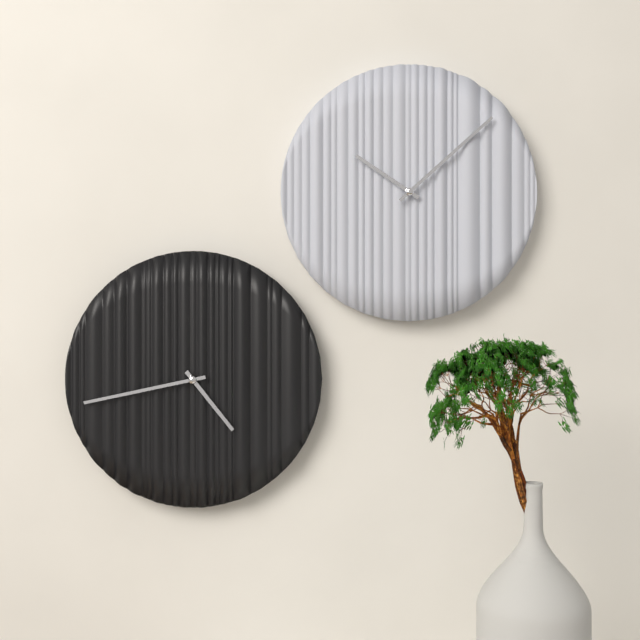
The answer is 4:43
